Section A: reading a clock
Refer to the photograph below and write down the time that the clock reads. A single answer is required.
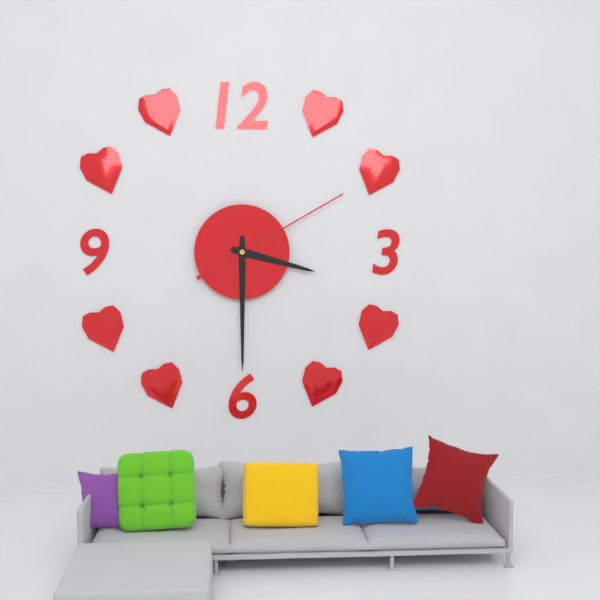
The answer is 3:30:10
